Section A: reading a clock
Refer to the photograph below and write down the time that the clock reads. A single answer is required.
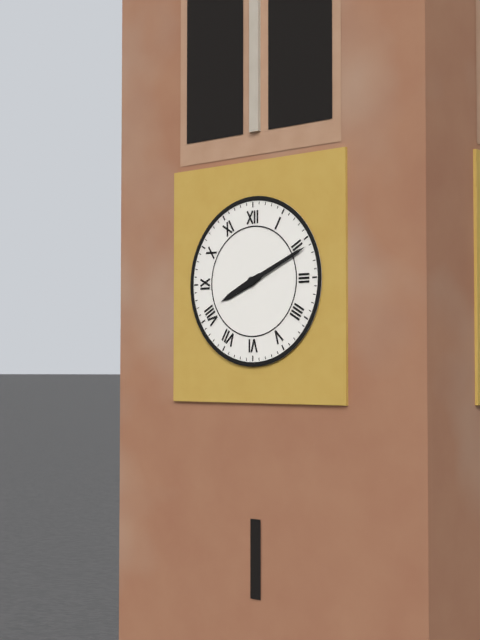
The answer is 8:11
